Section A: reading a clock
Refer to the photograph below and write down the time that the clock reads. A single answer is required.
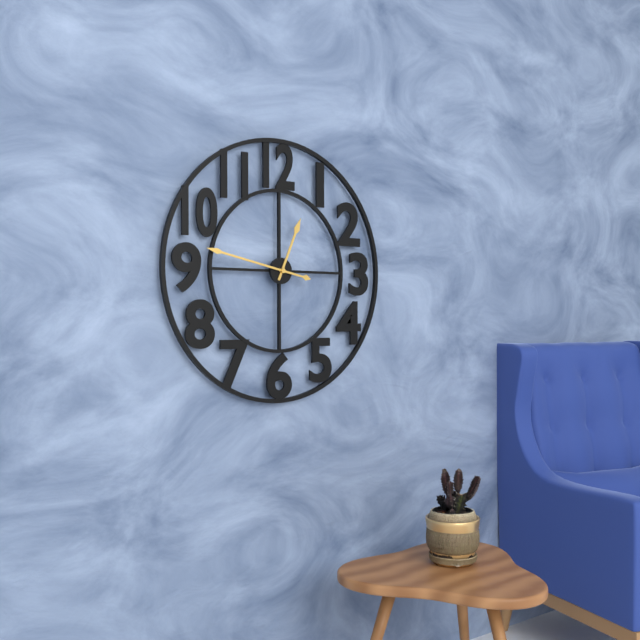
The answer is 12:47
